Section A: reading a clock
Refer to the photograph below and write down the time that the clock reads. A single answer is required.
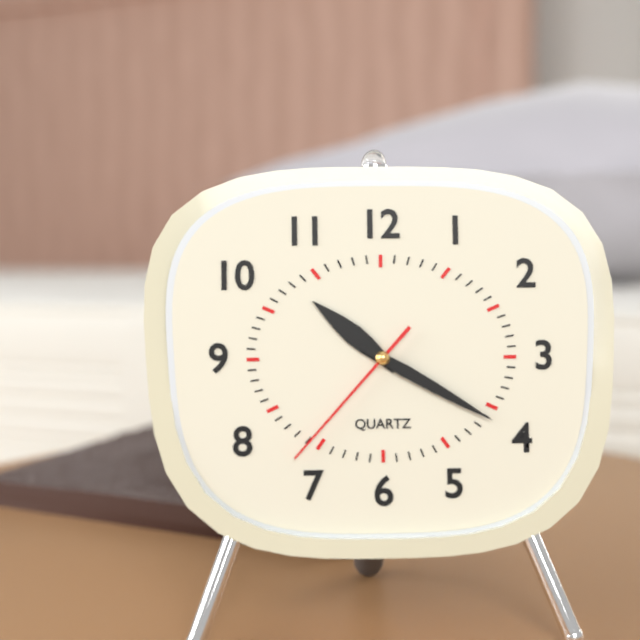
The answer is 10:20:37
